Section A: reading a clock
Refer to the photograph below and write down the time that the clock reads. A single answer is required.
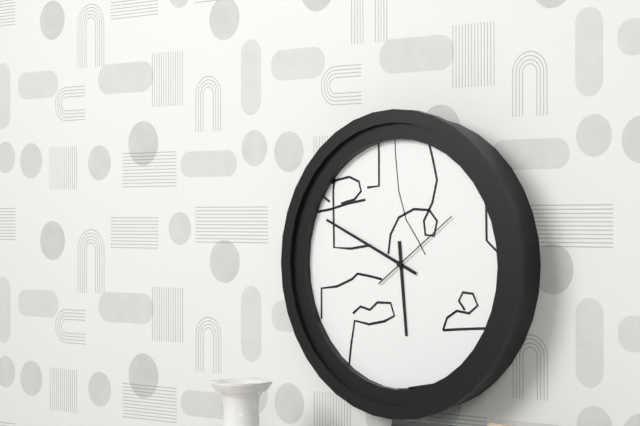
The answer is 5:49:09
